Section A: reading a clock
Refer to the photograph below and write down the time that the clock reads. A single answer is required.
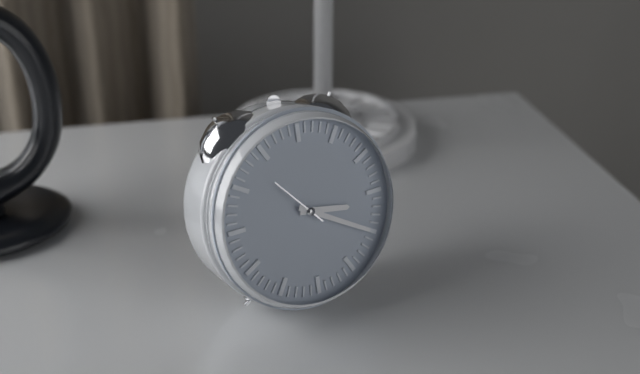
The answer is 3:20:53
